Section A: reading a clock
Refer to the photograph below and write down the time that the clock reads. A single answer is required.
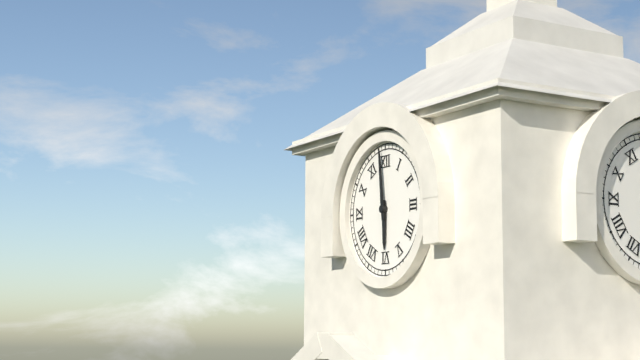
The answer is 5:59
